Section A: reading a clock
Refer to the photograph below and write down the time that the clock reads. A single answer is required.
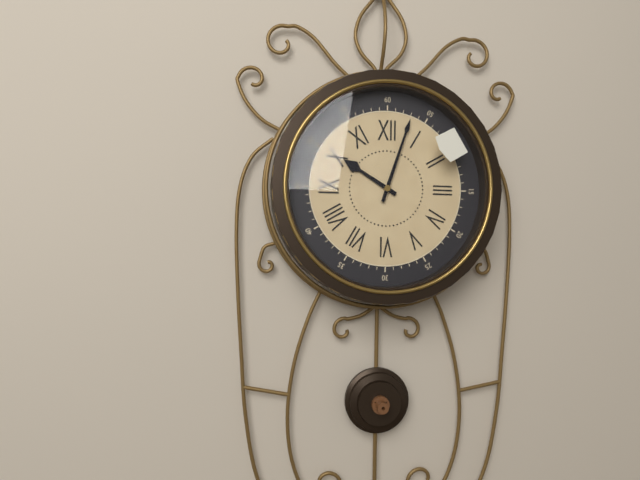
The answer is 10:03
